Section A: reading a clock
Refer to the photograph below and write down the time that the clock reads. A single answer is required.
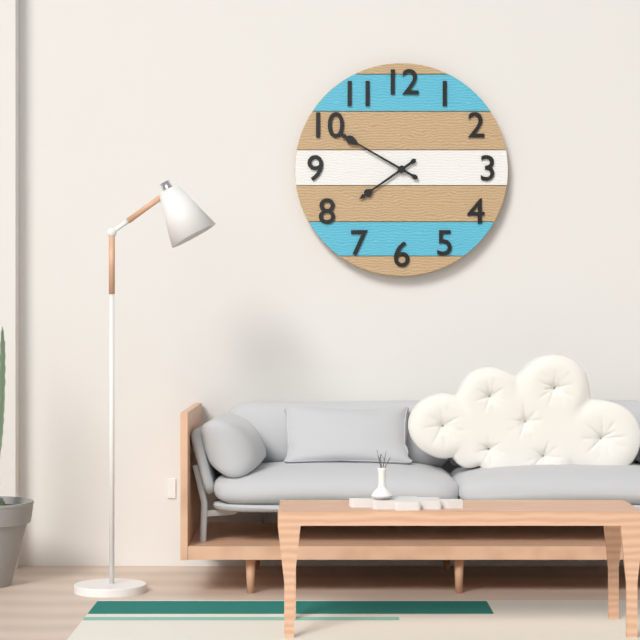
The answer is 7:50
